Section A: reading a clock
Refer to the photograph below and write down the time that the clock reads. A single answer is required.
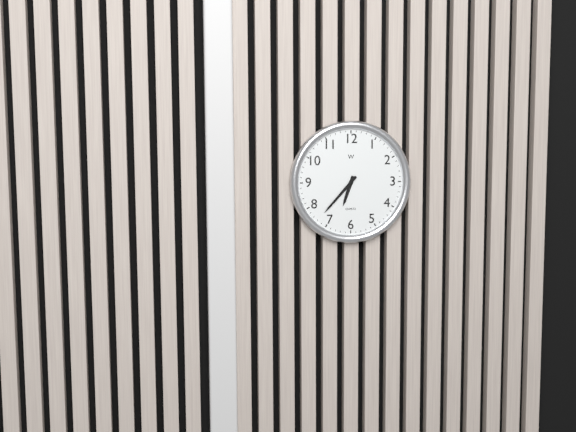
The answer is 6:37
